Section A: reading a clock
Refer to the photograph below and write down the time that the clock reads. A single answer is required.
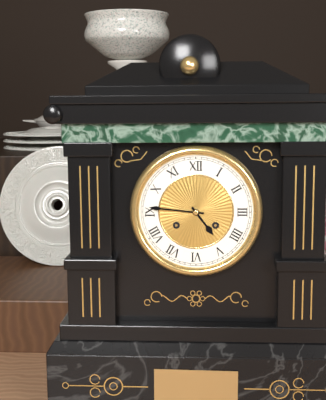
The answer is 4:46
